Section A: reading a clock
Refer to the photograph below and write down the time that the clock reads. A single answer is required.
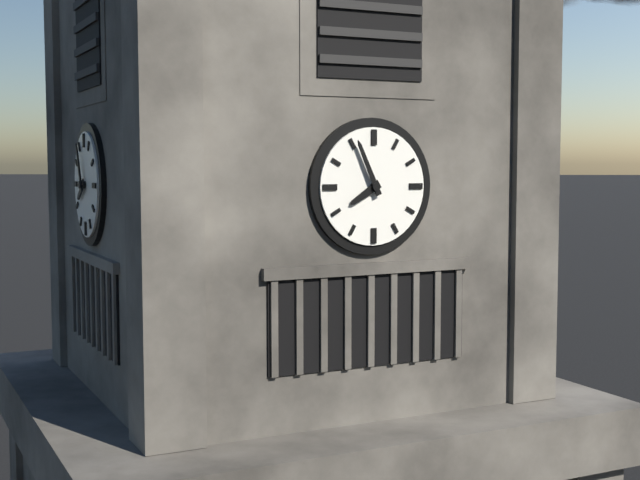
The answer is 7:56
